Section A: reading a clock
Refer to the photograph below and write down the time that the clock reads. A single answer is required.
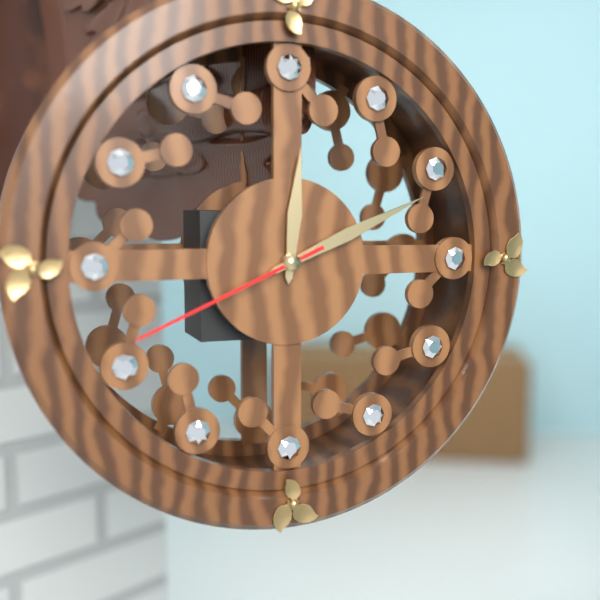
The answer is 12:11:41
